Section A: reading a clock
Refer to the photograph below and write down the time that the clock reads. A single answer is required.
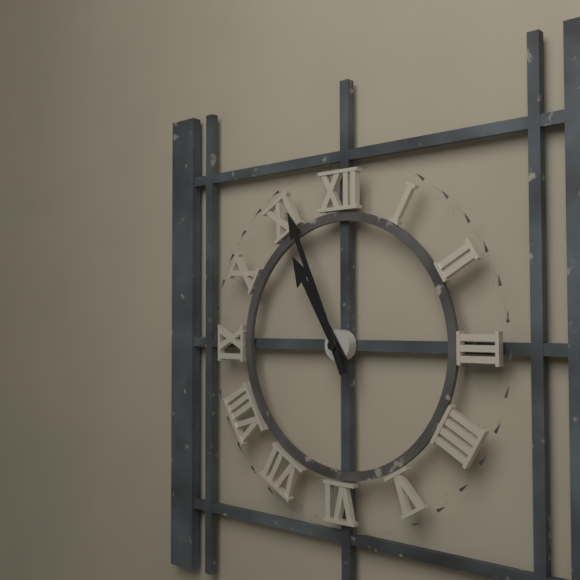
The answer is 10:56
